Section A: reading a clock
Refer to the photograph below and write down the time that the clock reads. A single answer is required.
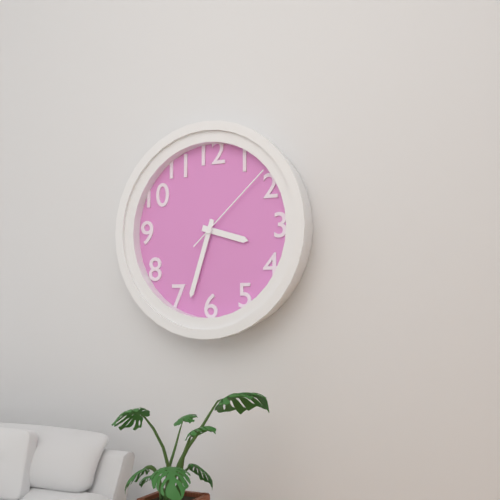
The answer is 3:33:08
